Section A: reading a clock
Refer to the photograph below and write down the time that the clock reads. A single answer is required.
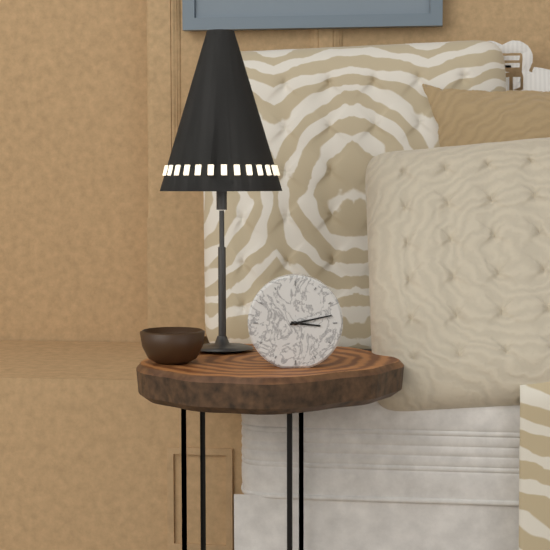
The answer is 3:13
